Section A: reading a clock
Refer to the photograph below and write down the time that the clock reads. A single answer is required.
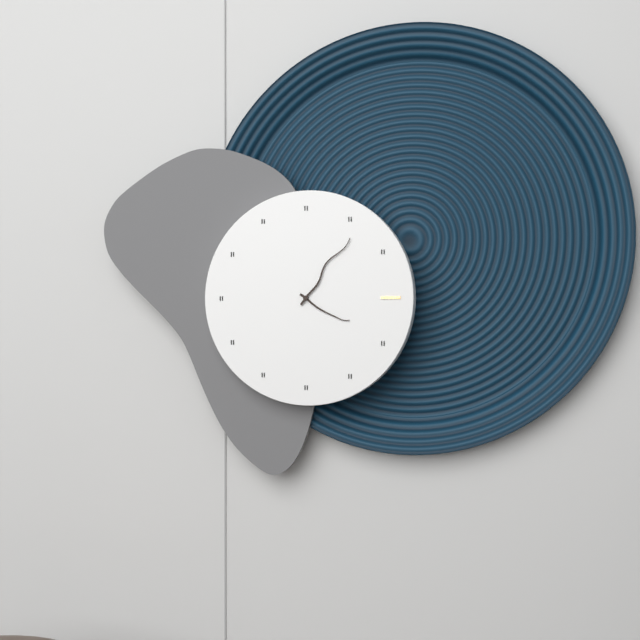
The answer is 4:06
